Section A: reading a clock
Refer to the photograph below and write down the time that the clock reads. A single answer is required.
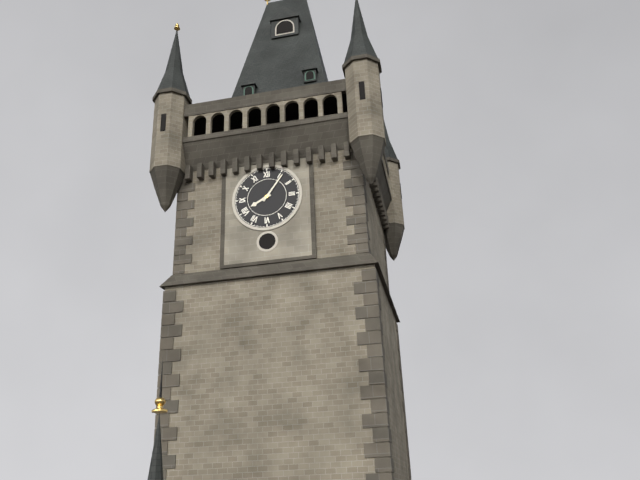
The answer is 8:06
